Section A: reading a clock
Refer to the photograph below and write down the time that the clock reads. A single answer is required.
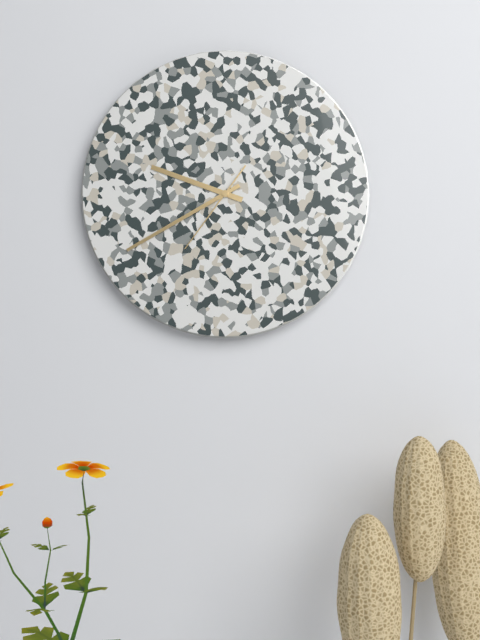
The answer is 9:40:36
